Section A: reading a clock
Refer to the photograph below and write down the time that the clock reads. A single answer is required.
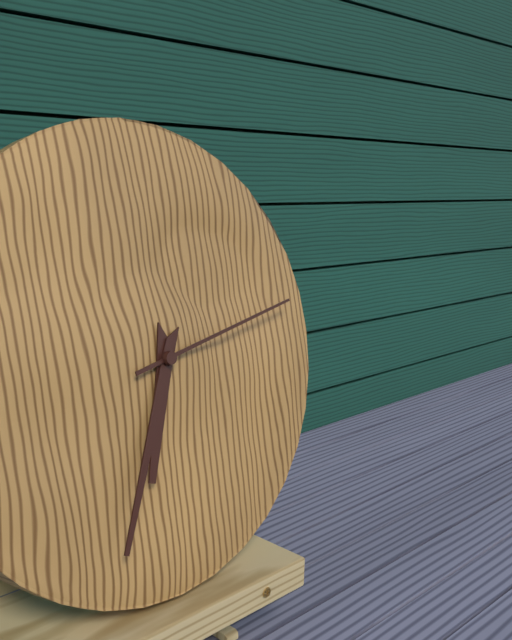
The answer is 6:34:13
